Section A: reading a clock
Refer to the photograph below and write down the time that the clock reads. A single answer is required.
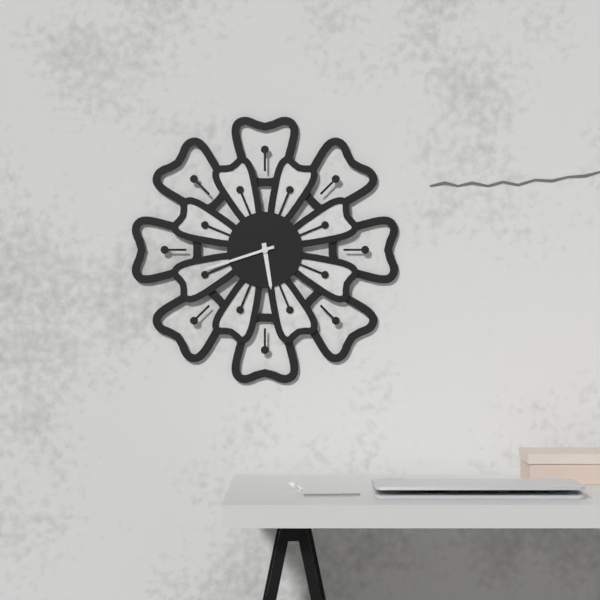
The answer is 5:42
